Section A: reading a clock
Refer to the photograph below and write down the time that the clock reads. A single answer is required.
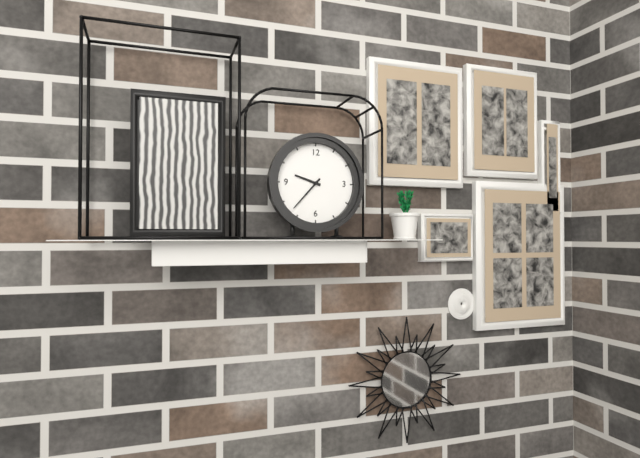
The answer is 9:37
